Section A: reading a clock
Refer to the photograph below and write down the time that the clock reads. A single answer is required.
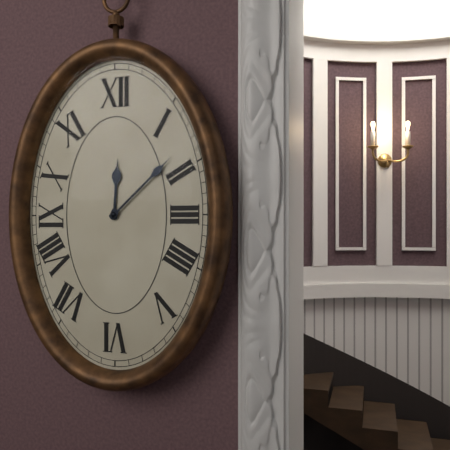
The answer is 12:08
